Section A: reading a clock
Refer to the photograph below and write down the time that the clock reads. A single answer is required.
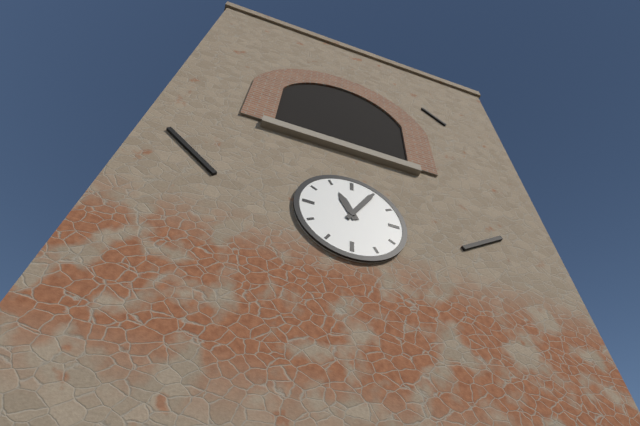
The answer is 11:05
